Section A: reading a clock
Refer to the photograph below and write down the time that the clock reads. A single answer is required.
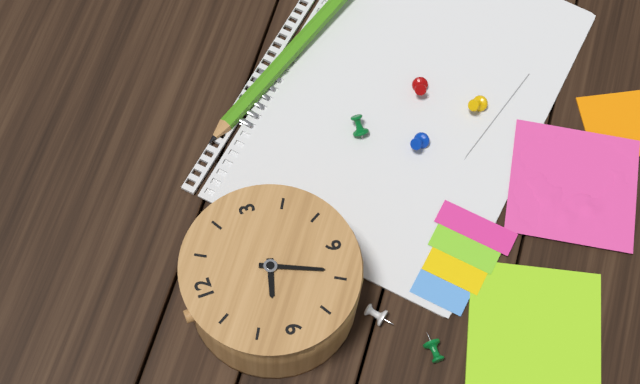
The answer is 9:34
